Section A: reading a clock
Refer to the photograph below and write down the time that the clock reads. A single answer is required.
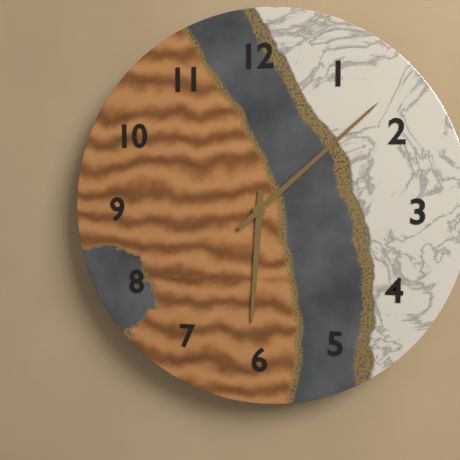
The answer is 6:08
